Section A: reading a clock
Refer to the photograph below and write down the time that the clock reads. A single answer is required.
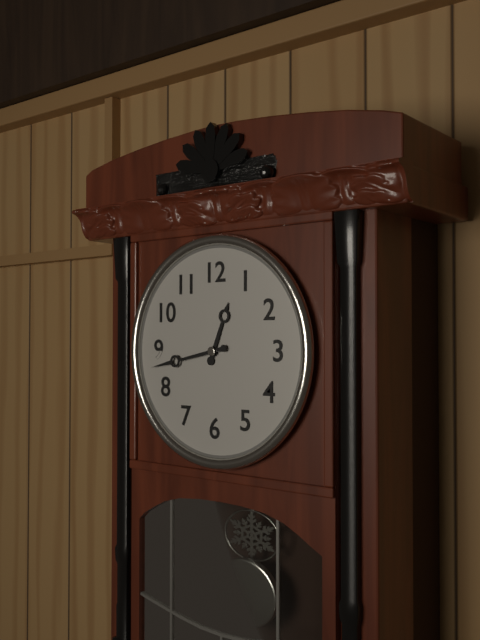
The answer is 12:43
